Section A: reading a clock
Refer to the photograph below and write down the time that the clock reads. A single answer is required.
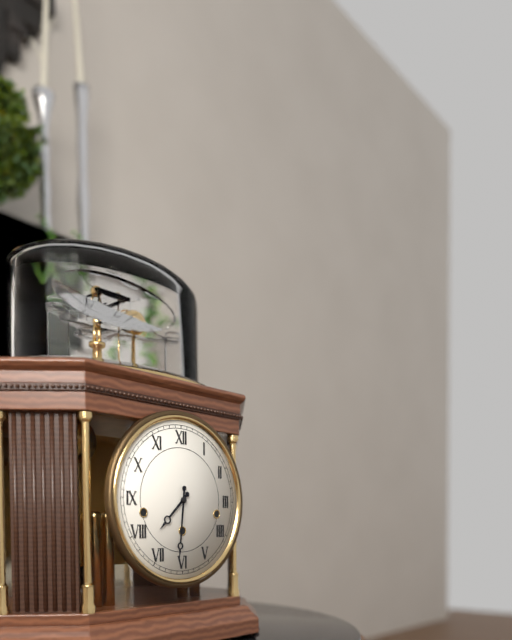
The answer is 7:31
